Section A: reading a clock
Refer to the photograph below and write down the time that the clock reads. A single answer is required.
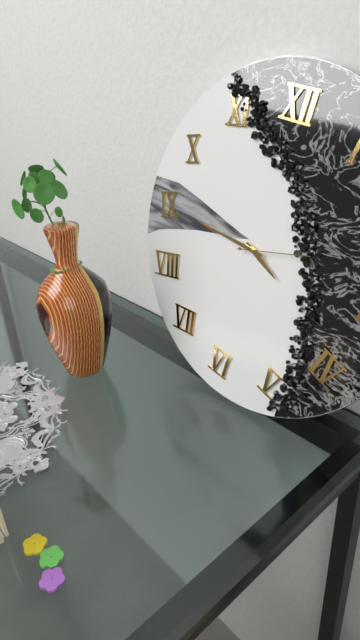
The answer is 3:45:12
